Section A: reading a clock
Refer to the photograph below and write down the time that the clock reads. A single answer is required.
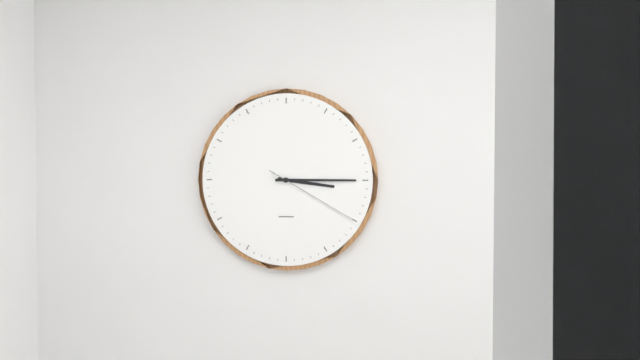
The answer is 3:15:20
